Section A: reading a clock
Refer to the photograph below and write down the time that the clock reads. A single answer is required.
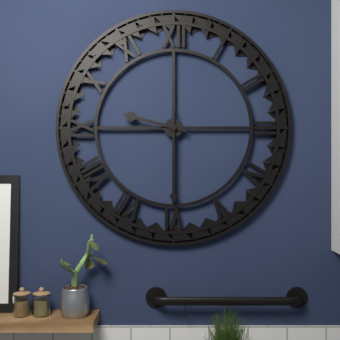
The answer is 9:30
